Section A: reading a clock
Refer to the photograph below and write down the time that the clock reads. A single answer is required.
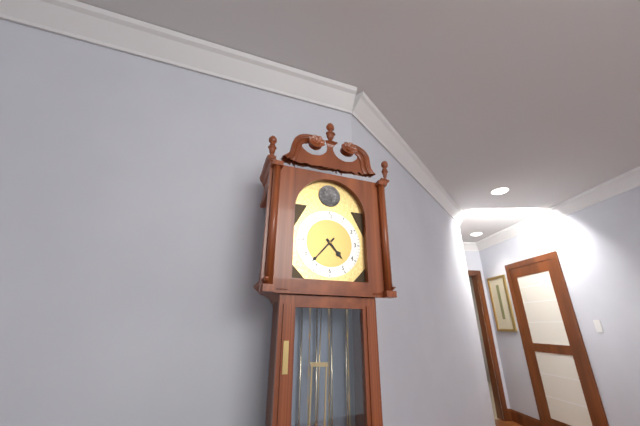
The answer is 4:37
